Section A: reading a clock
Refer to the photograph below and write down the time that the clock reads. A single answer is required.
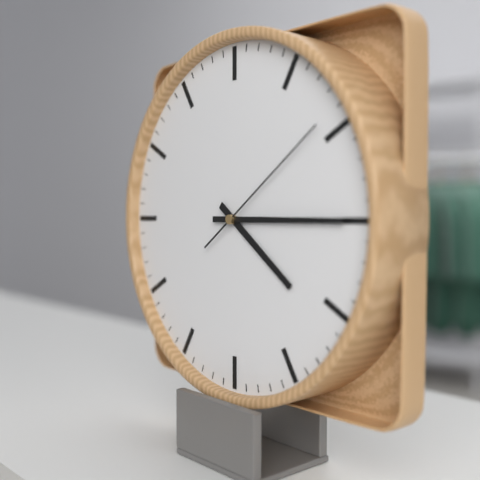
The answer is 4:15:09
